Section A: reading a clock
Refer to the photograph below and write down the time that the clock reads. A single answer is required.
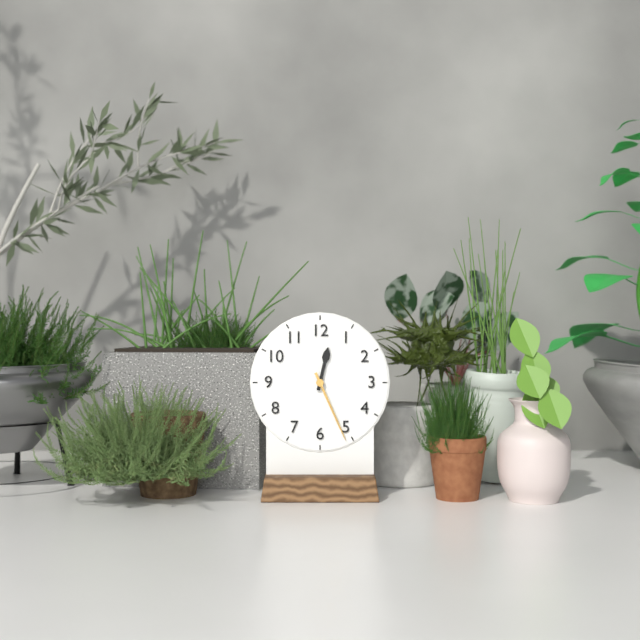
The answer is 12:26
